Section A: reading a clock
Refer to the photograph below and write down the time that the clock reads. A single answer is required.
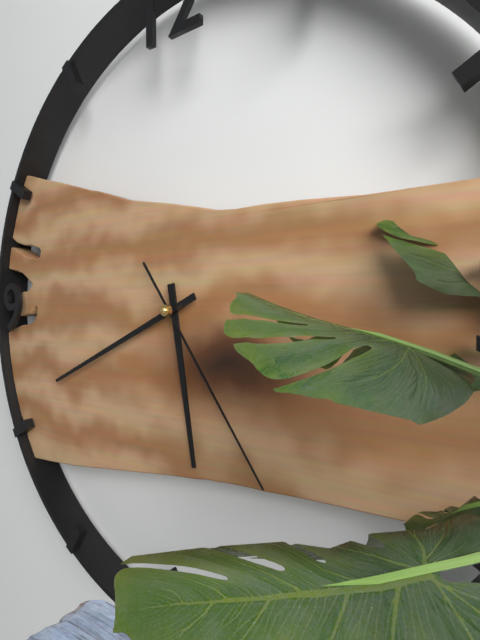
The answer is 5:41:24
